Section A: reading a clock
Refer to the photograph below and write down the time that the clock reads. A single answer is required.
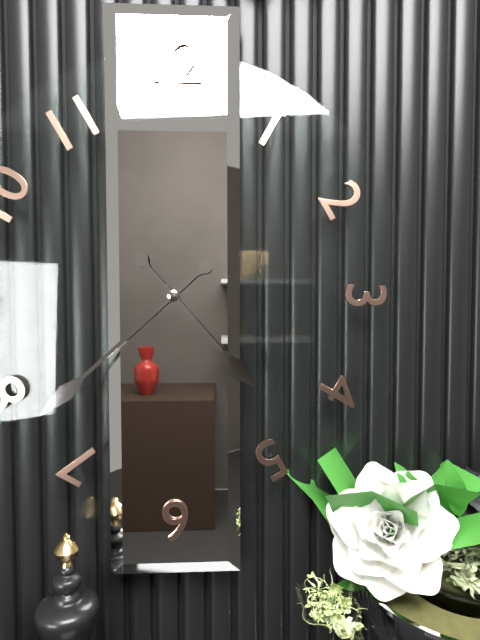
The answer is 4:38
